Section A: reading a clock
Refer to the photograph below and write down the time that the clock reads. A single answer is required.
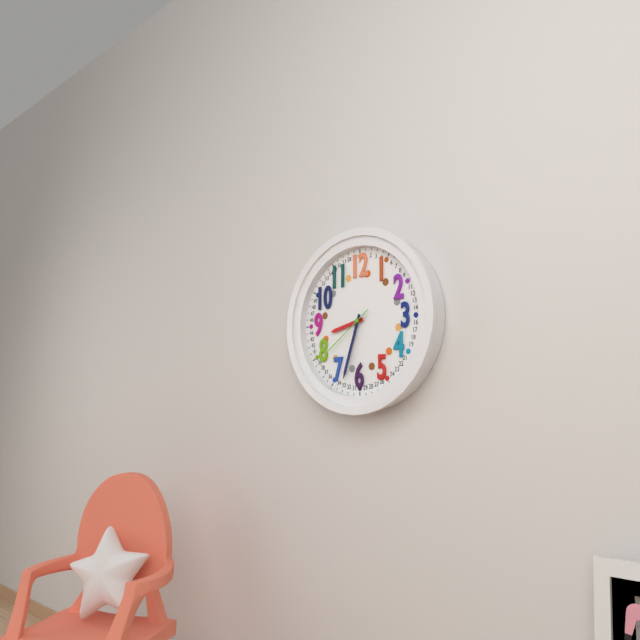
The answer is 8:33:39
